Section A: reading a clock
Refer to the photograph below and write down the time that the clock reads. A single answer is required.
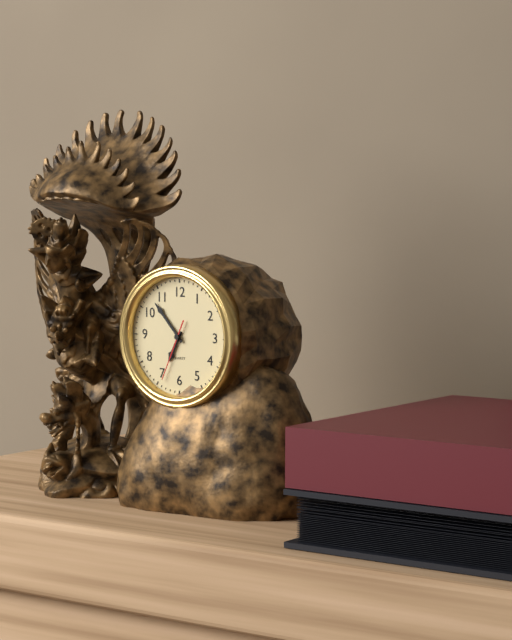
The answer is 6:53:34
